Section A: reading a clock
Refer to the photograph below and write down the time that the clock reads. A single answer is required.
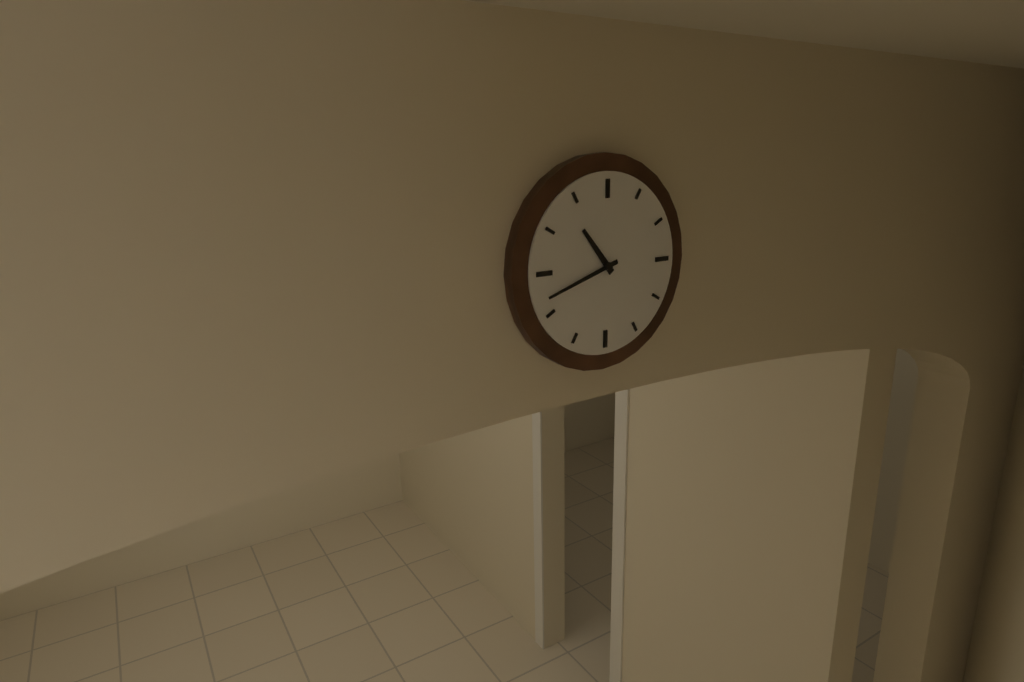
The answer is 10:42
